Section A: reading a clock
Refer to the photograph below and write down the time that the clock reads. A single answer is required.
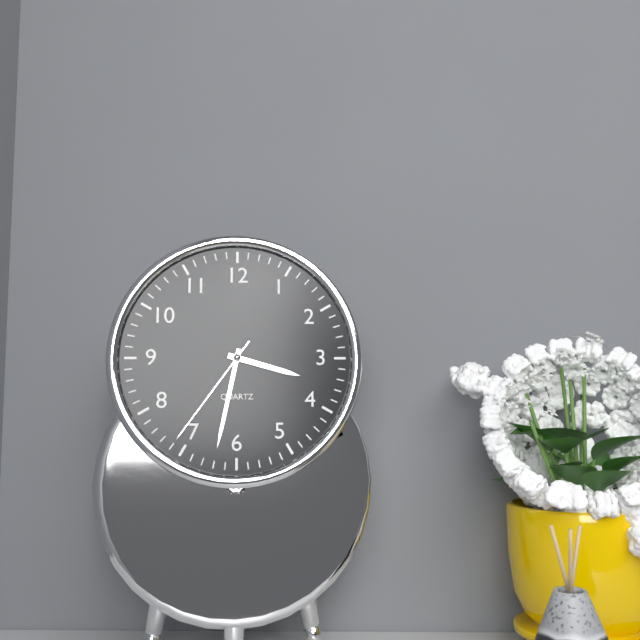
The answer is 3:32:36
